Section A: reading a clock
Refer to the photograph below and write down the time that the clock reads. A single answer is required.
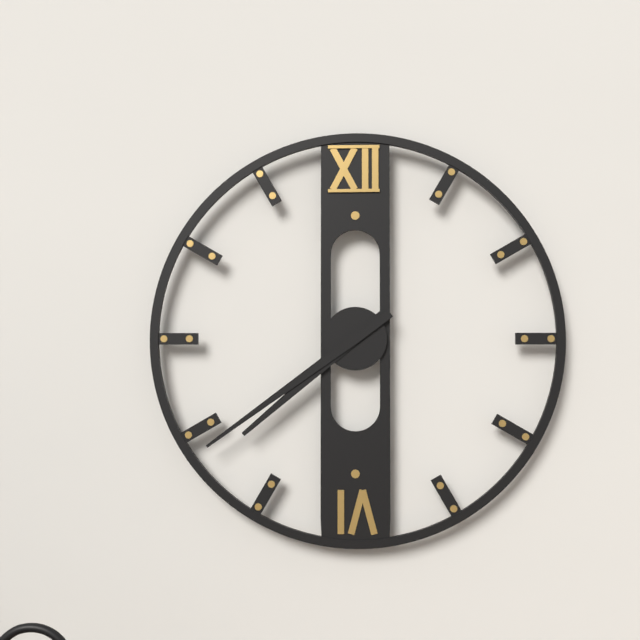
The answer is 7:39
